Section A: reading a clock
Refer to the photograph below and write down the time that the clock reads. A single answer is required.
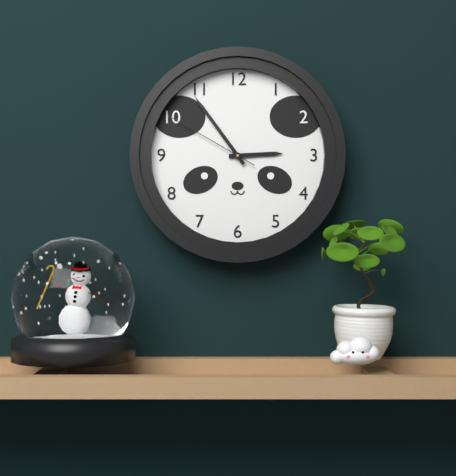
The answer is 2:54:50
